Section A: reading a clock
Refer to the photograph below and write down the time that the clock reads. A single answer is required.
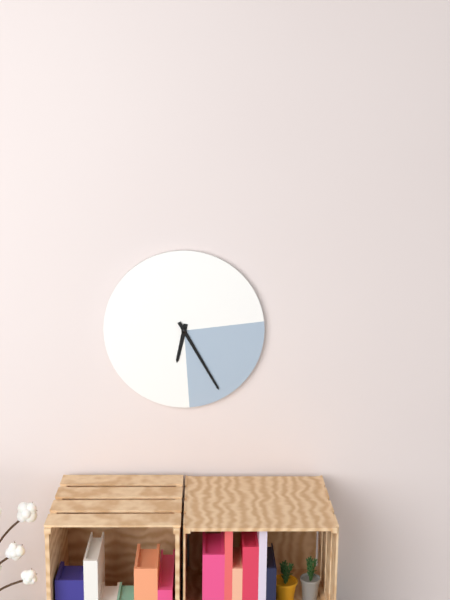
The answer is 6:25
